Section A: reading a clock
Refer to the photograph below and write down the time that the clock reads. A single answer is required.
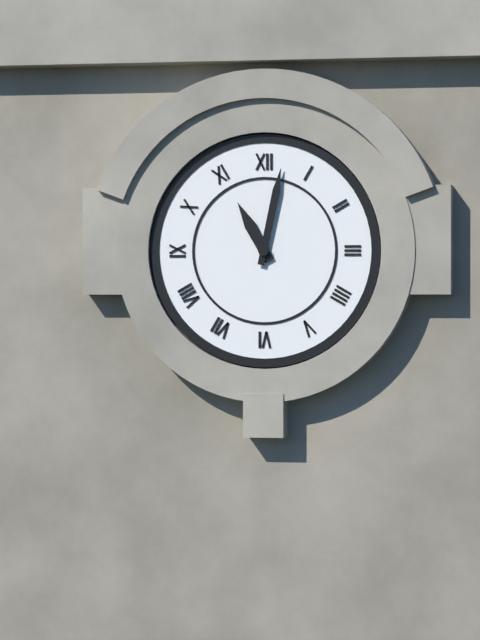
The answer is 11:02
